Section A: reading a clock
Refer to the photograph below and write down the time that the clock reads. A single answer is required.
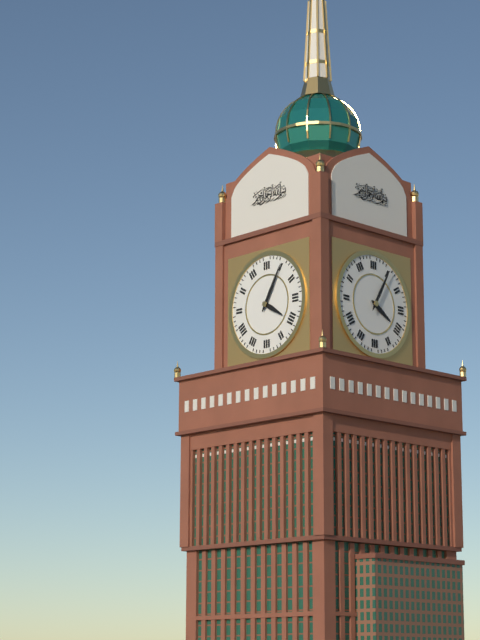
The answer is 4:05
